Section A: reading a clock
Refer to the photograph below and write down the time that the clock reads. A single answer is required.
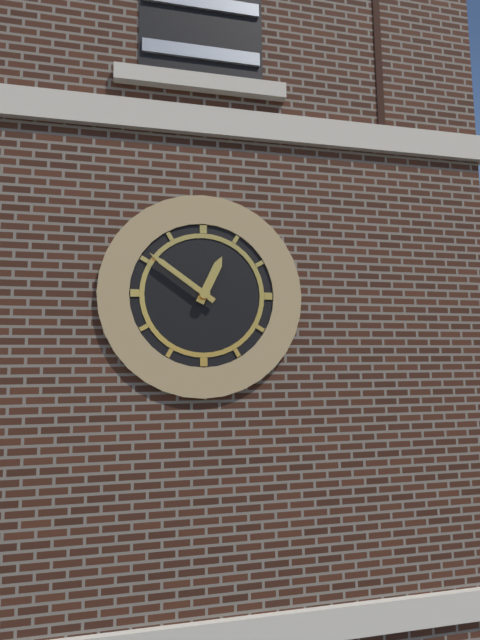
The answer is 12:51
